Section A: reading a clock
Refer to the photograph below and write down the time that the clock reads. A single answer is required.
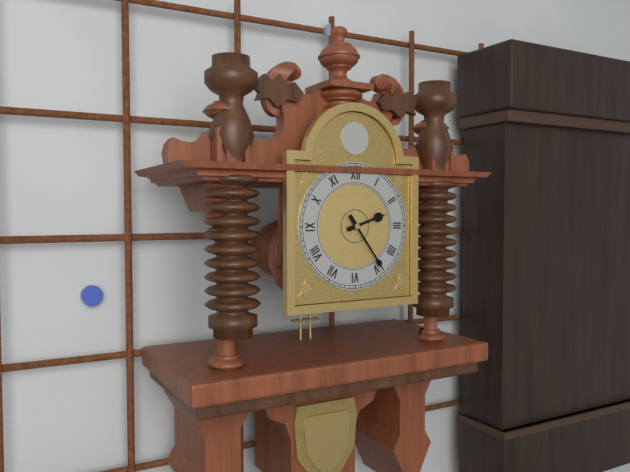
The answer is 2:24
